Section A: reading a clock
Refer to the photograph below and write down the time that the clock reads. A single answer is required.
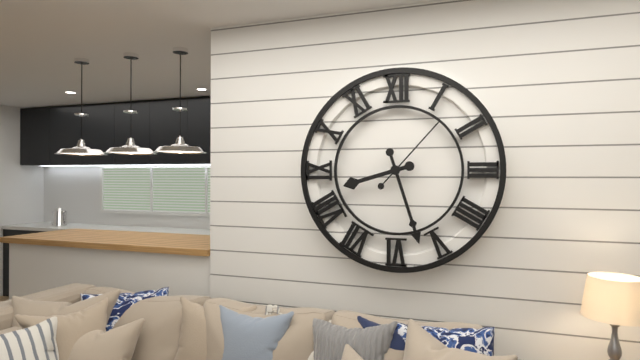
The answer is 8:27:07
